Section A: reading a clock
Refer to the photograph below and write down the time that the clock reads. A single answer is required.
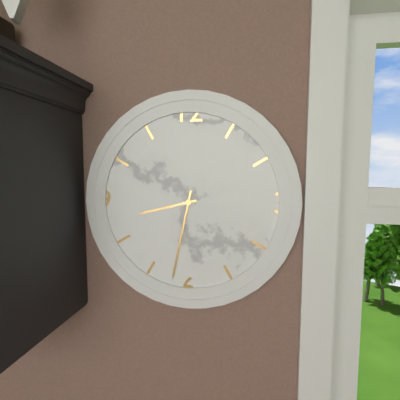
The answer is 8:32
